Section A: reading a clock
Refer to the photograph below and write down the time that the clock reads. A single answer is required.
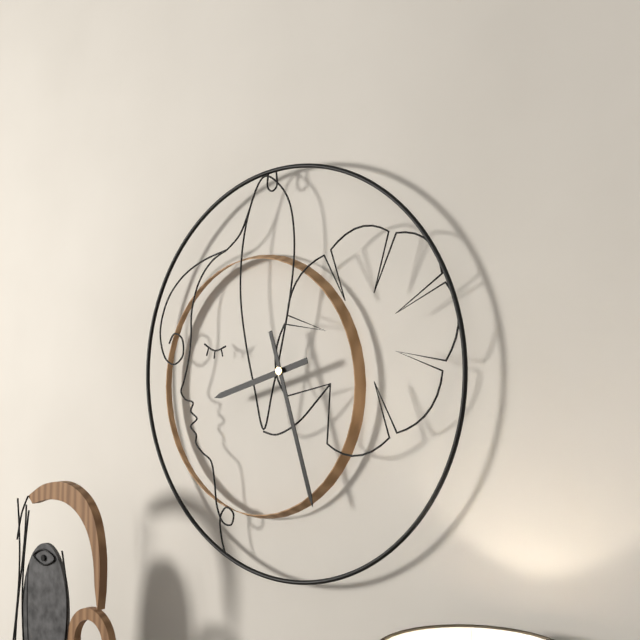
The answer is 8:27
